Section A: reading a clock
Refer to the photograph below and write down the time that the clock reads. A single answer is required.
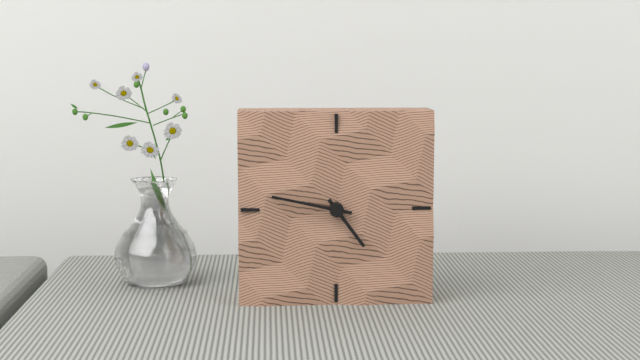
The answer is 4:47
